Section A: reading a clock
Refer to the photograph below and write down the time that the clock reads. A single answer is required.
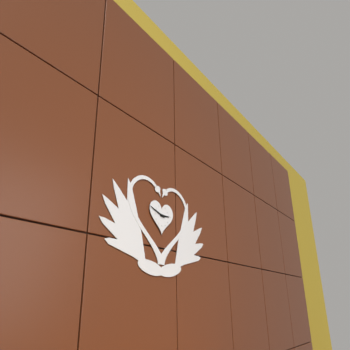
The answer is 2:48
